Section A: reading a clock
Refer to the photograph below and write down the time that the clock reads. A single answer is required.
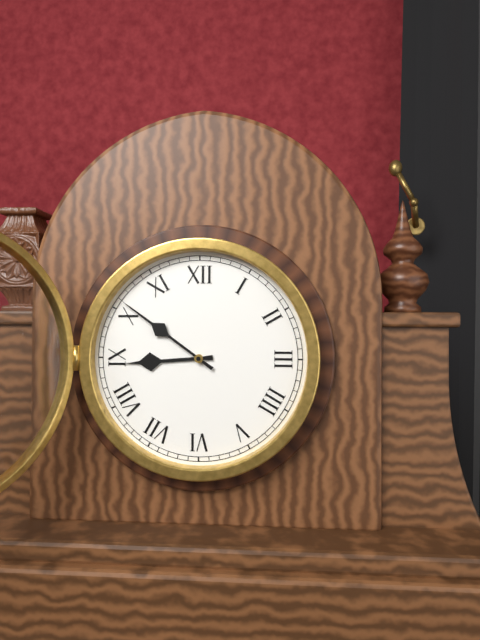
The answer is 8:51
